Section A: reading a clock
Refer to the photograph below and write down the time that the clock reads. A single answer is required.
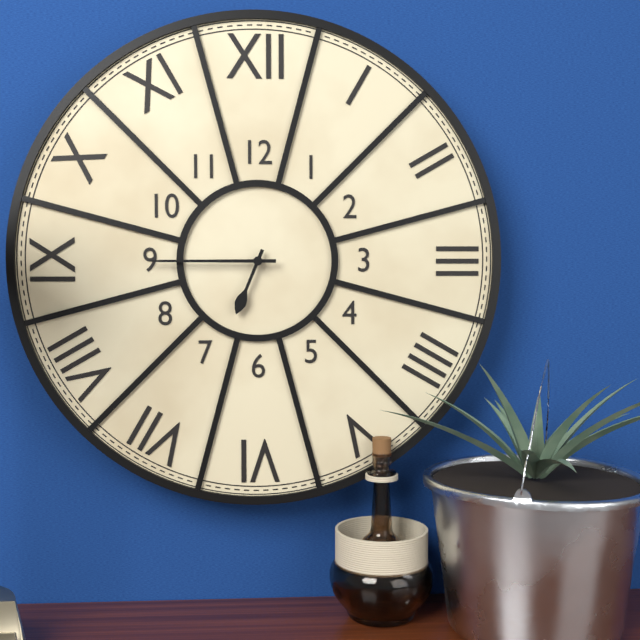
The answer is 6:45
